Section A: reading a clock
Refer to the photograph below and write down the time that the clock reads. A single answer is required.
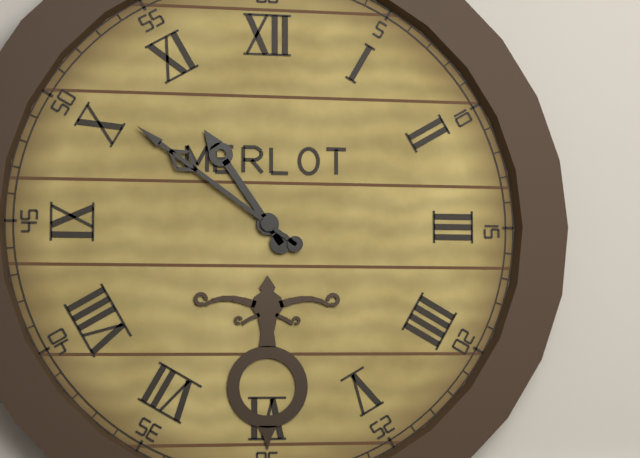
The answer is 10:51
